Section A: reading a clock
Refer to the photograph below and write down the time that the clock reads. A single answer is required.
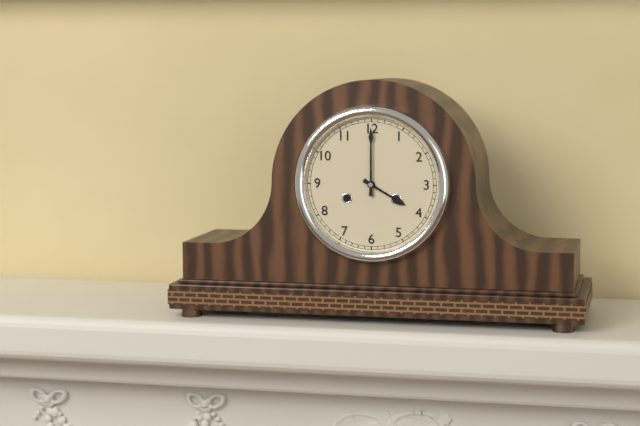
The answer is 4:00
